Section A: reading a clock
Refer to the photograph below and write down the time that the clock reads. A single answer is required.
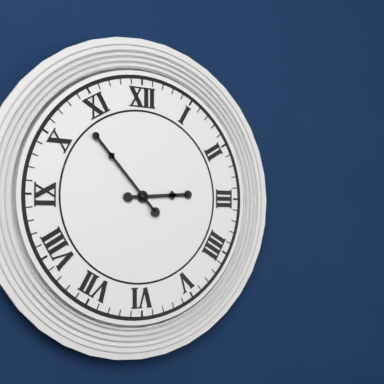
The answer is 2:53
